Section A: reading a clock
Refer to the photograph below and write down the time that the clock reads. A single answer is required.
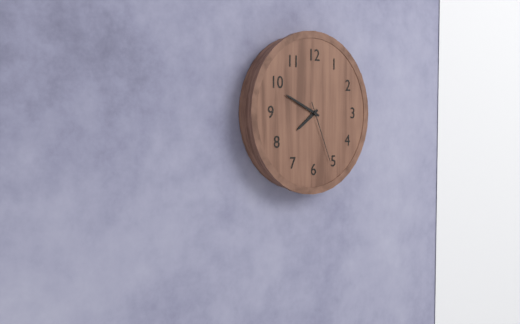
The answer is 7:49:26
